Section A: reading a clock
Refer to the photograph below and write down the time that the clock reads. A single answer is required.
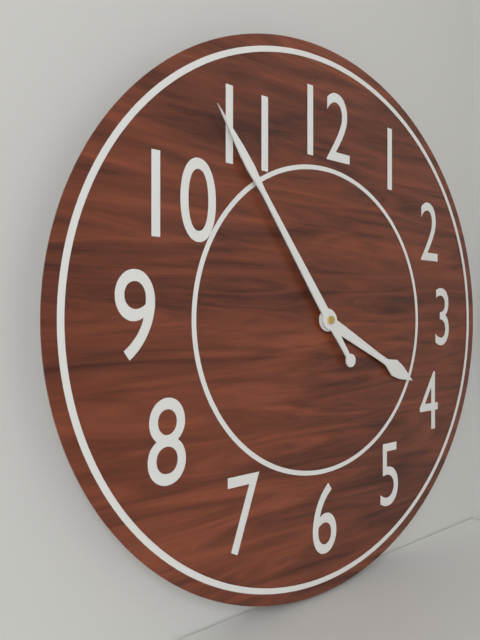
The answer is 3:54
